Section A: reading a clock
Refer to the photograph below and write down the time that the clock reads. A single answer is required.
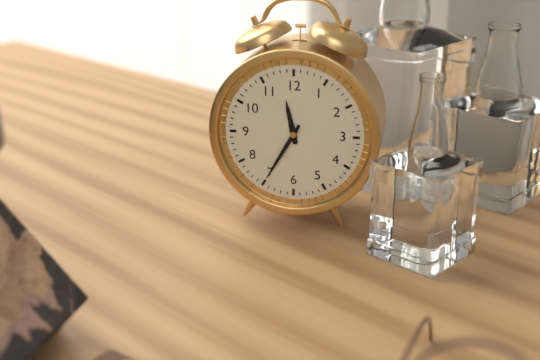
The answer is 11:35
